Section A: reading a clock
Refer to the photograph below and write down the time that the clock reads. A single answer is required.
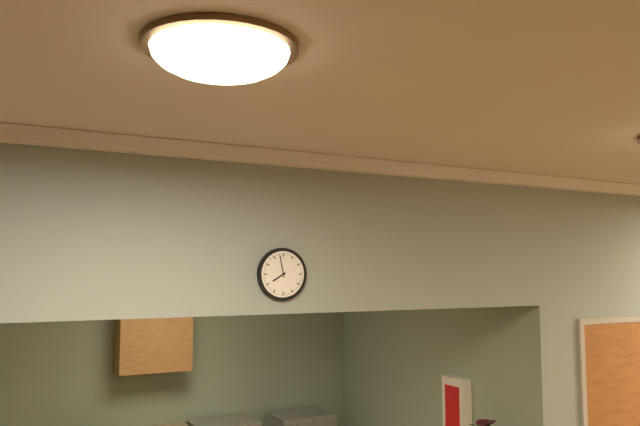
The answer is 7:58
